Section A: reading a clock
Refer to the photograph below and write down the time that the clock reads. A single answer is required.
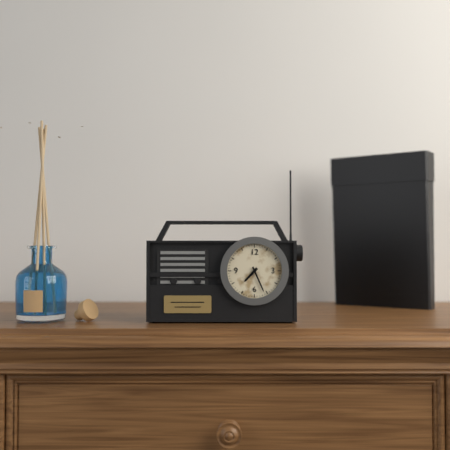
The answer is 7:26
